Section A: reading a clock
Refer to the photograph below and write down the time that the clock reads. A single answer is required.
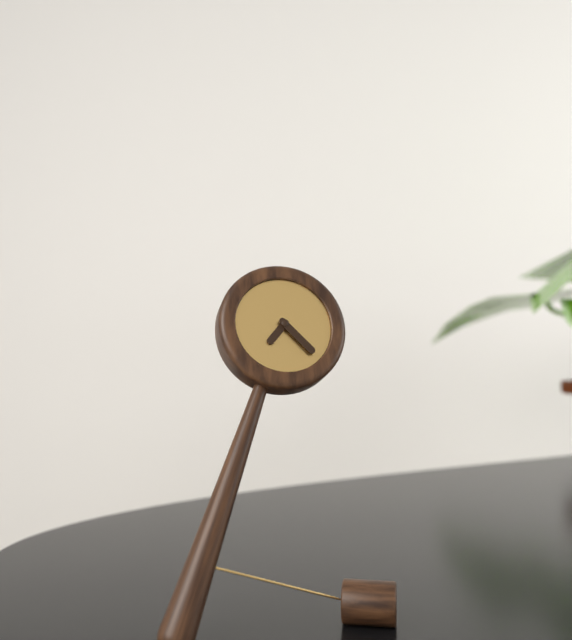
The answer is 7:23
